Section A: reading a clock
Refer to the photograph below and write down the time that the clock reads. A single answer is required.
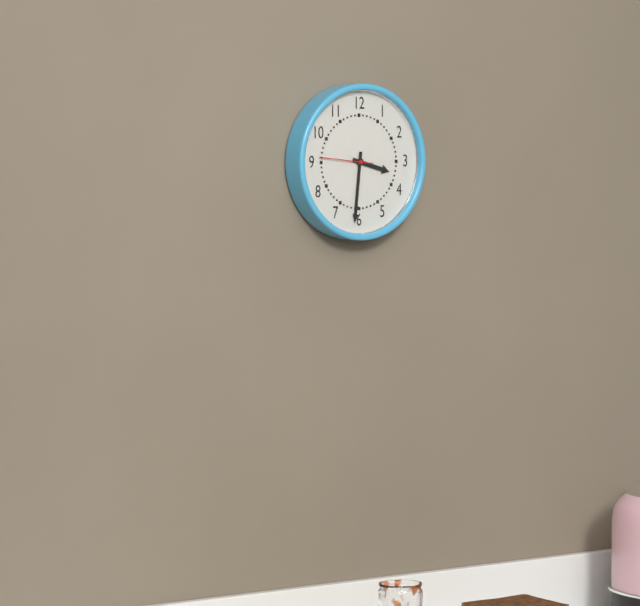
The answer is 3:31
